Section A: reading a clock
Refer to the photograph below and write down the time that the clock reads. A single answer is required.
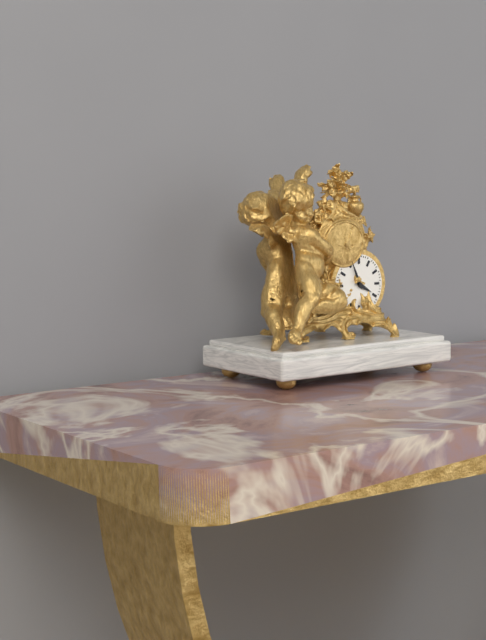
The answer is 3:56
